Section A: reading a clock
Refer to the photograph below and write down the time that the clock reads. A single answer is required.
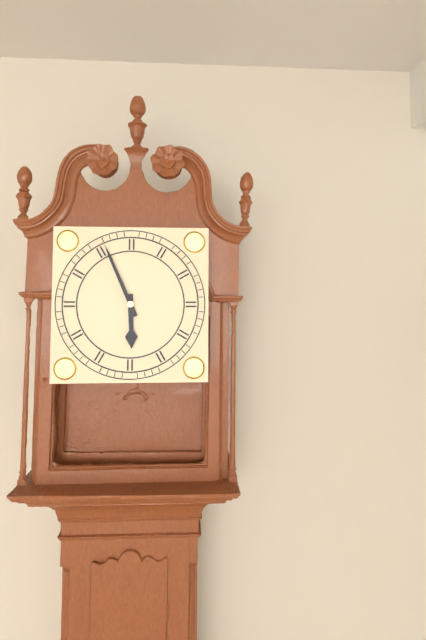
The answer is 5:56
